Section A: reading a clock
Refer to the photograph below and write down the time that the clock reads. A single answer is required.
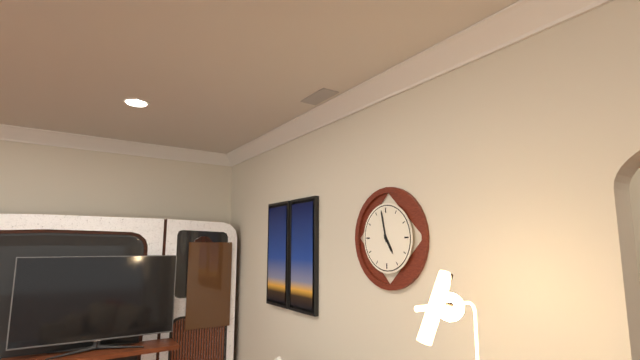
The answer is 4:58
